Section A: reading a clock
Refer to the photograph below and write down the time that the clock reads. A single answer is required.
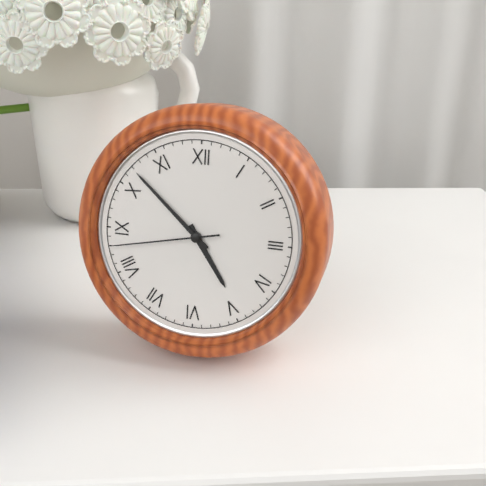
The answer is 4:52:43
